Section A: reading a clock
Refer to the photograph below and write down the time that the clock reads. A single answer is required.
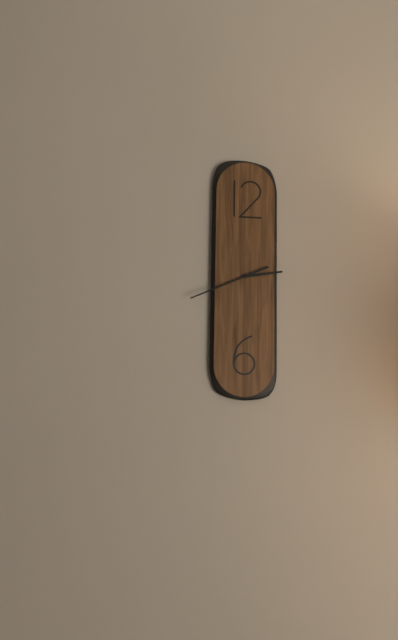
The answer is 2:41
